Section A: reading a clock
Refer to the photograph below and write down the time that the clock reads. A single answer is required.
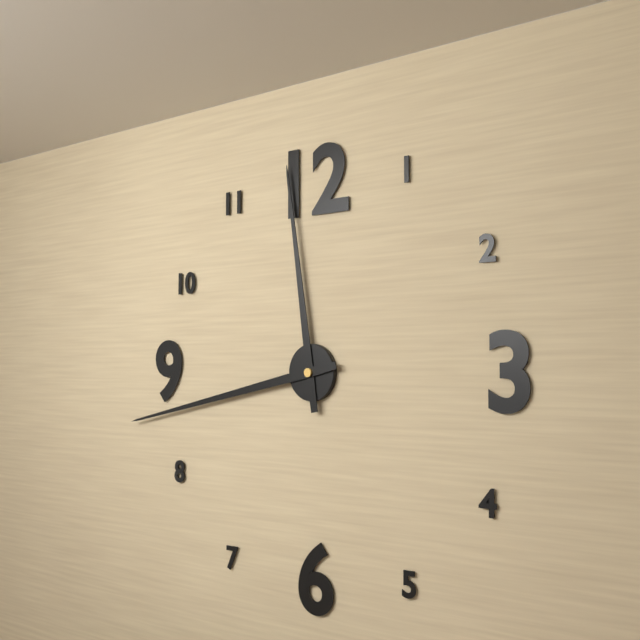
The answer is 11:43
